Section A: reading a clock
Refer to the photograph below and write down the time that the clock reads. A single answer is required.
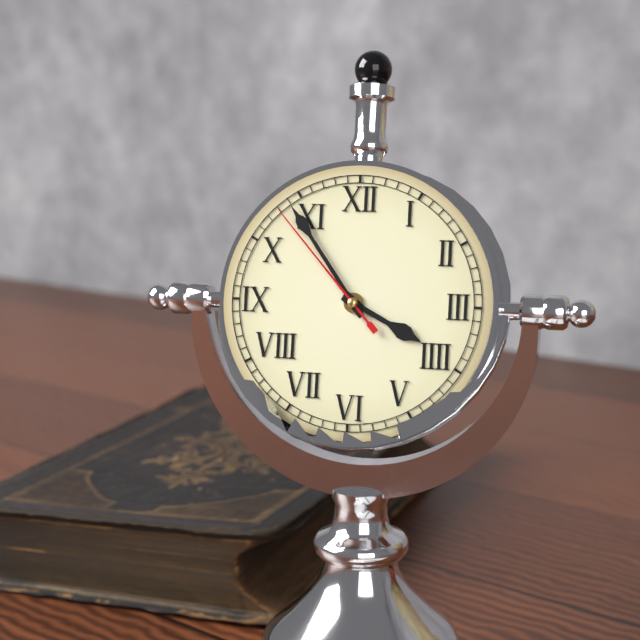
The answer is 3:54:53
